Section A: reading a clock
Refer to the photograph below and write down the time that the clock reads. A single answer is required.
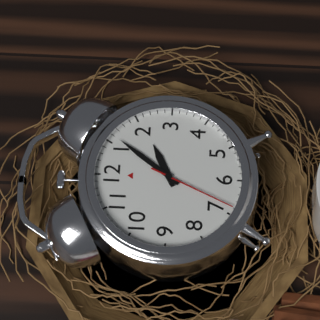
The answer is 2:06:34
